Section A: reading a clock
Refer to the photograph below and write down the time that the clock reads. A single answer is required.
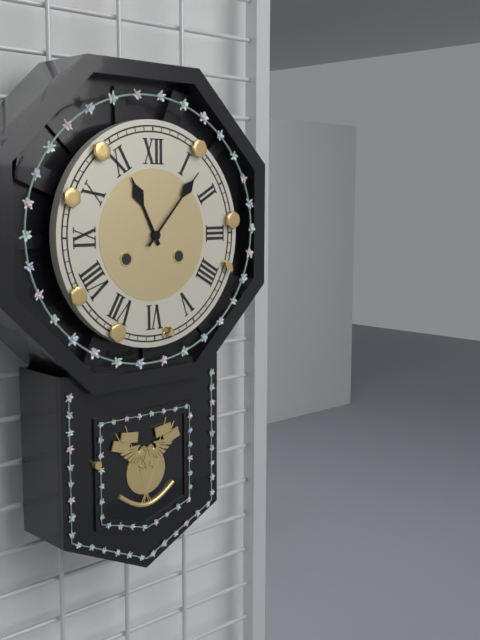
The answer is 11:07
